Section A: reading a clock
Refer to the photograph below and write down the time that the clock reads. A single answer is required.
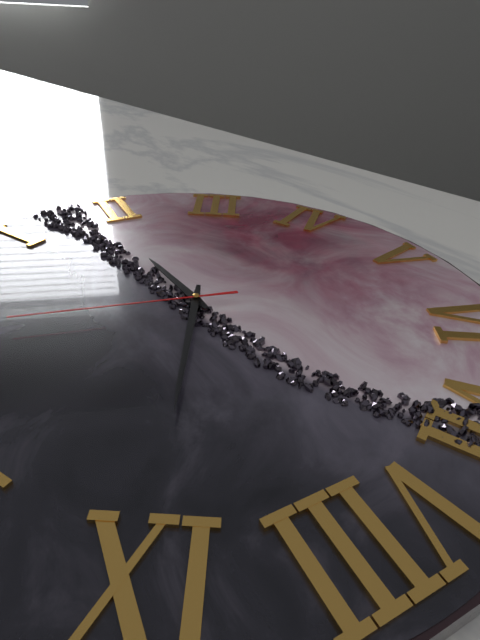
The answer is 1:45:57
